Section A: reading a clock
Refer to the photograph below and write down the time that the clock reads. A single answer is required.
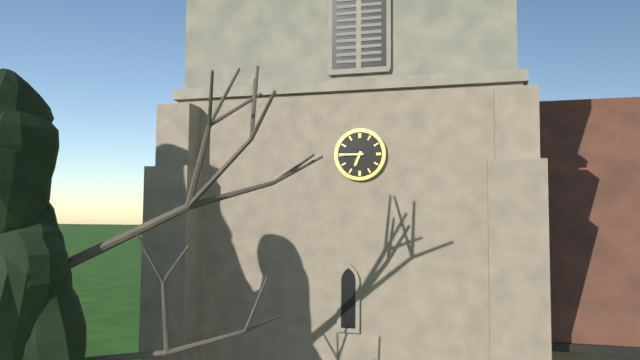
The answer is 6:45
